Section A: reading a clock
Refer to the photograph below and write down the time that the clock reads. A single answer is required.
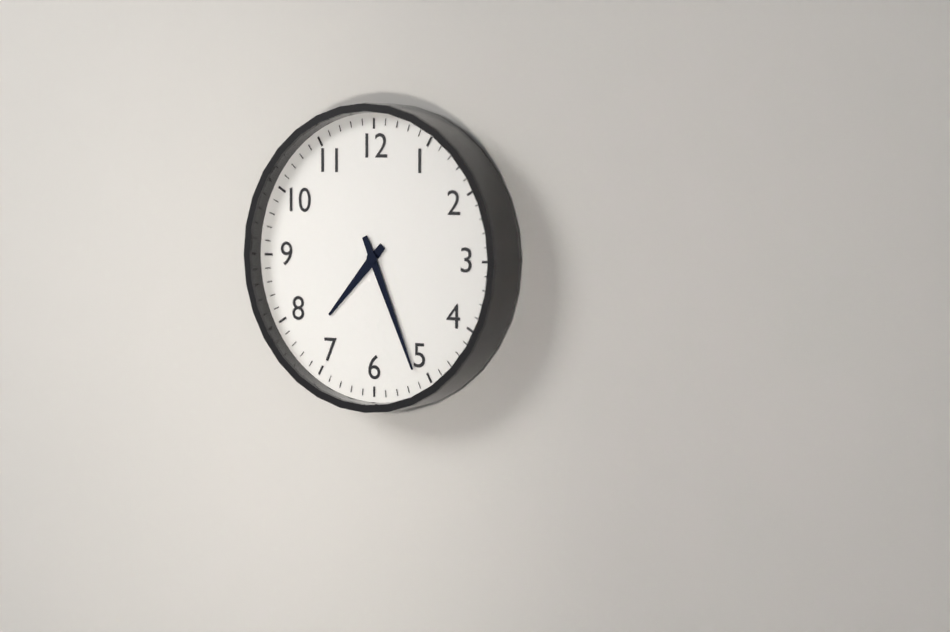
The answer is 7:26
